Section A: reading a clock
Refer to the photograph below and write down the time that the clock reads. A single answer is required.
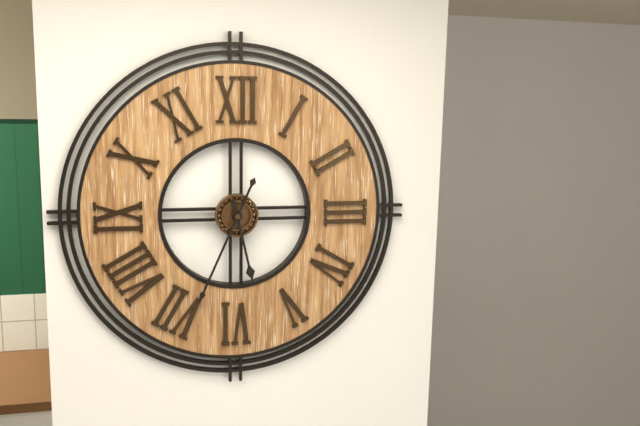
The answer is 5:34
